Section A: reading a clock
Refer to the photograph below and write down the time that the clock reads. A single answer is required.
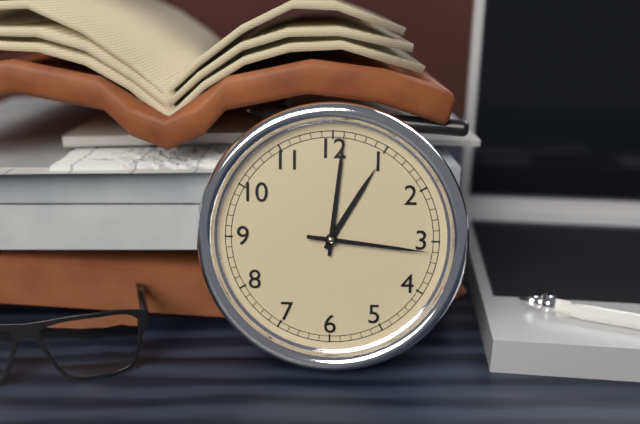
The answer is 1:01:16
